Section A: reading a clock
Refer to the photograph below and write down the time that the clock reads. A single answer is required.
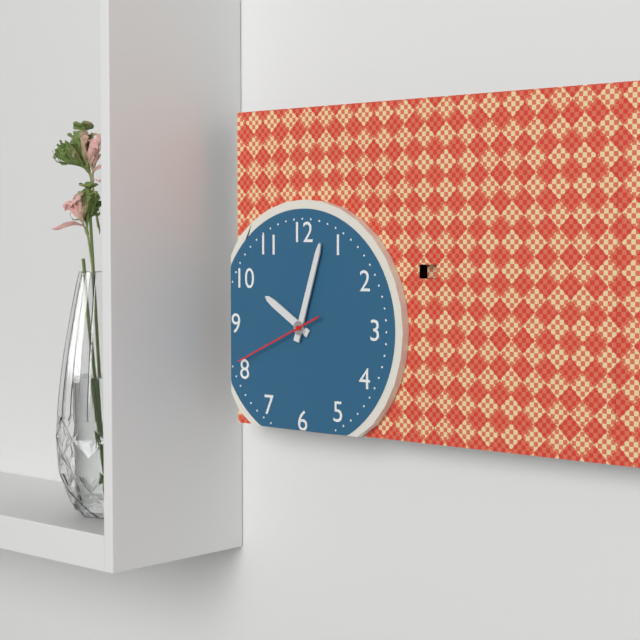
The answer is 10:03:41
